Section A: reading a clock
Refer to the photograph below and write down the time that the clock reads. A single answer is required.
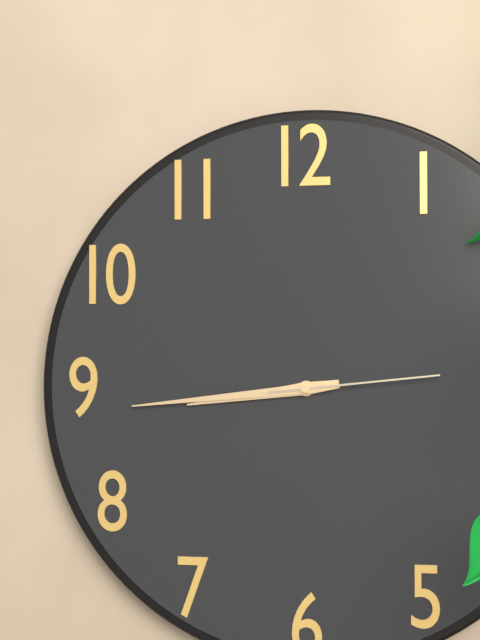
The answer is 8:44:14
